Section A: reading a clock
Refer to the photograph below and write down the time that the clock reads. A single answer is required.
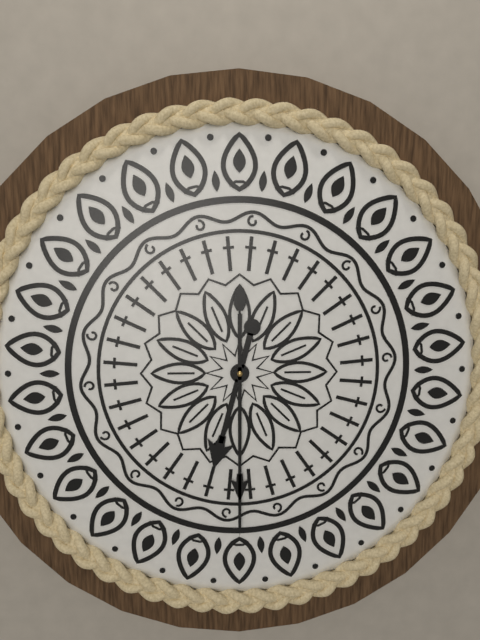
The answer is 6:30
